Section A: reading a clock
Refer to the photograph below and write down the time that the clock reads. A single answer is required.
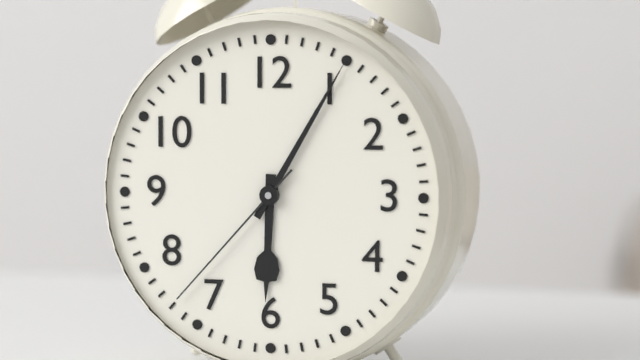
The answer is 6:05:37
